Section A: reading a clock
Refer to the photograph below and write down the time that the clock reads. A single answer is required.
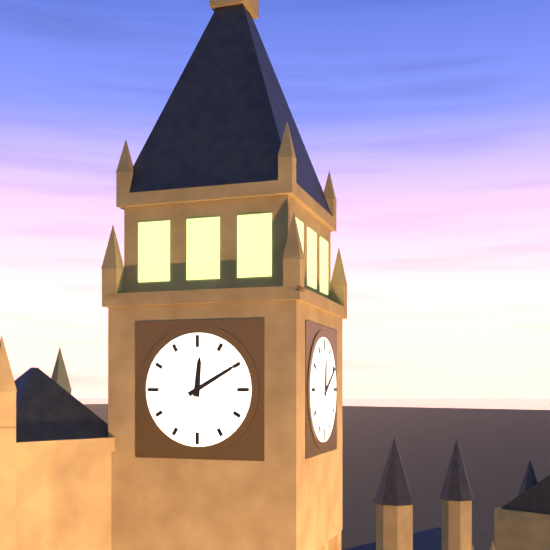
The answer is 12:10
